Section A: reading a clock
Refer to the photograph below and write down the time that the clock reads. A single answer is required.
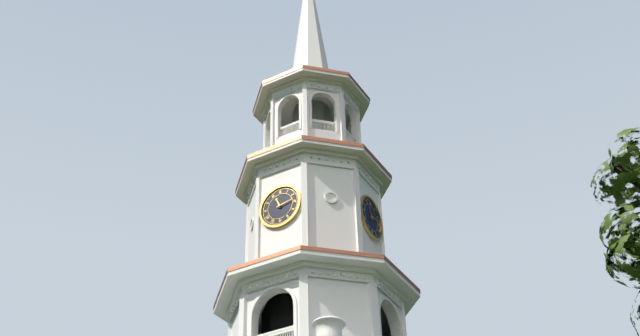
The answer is 11:13
